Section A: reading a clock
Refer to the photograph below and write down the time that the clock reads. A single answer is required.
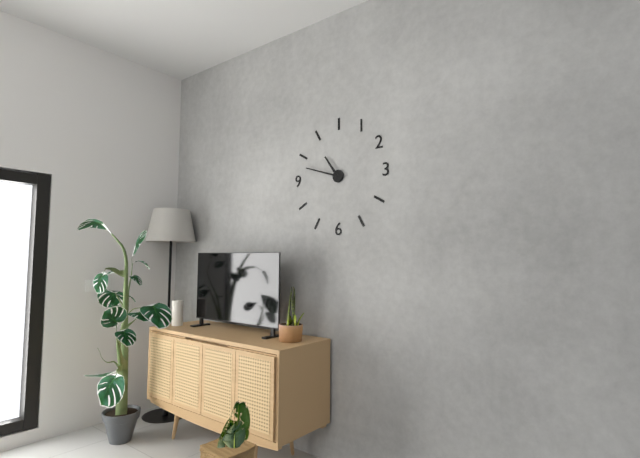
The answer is 10:48
